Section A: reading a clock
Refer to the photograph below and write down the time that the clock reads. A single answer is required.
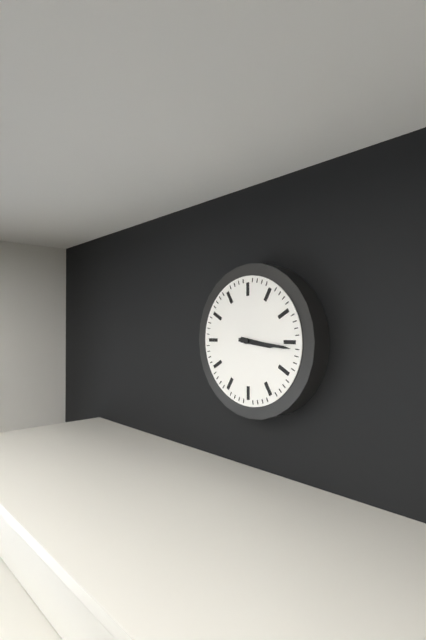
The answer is 3:16
